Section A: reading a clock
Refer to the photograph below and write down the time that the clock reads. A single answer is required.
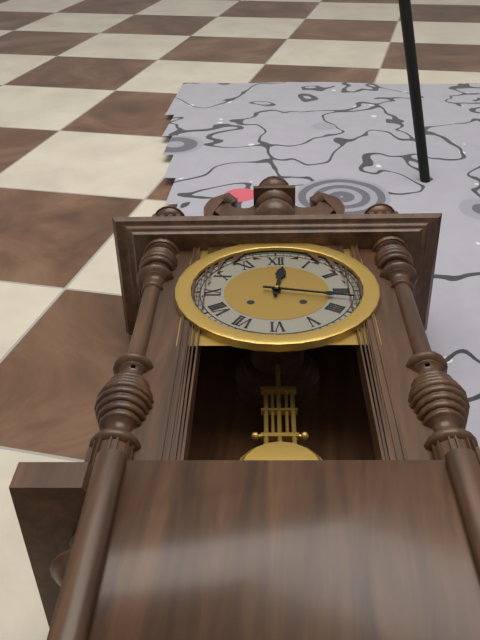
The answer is 12:17
